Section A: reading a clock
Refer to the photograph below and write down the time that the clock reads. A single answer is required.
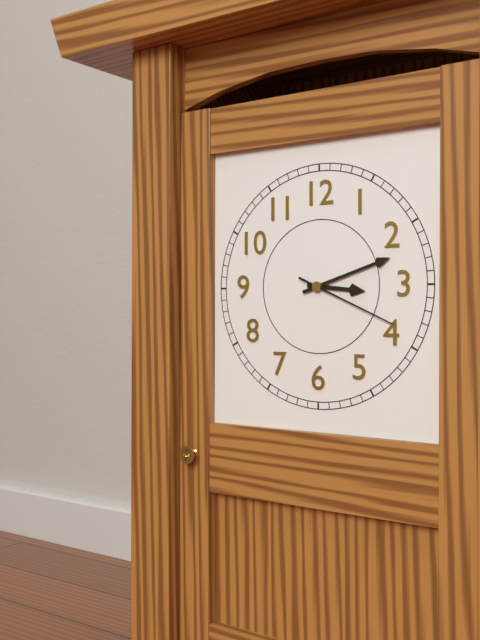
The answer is 3:12:19
